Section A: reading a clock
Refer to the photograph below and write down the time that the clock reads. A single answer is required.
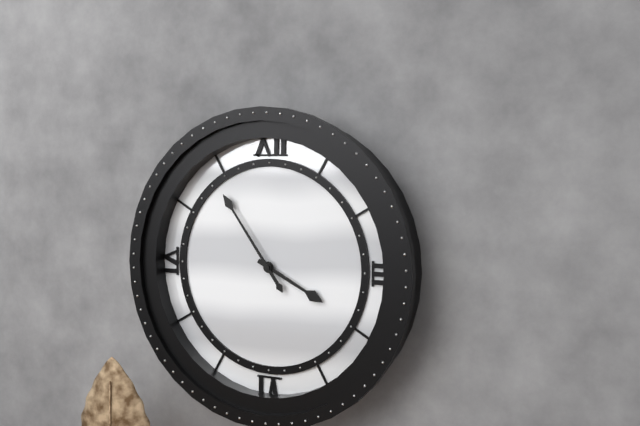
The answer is 3:54
